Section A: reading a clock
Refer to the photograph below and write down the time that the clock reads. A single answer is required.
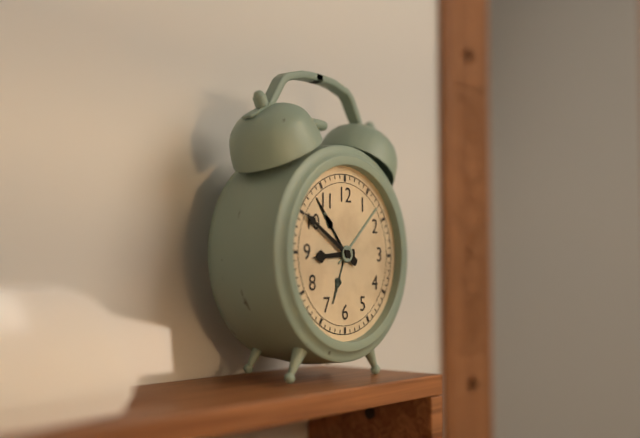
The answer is 8:50
